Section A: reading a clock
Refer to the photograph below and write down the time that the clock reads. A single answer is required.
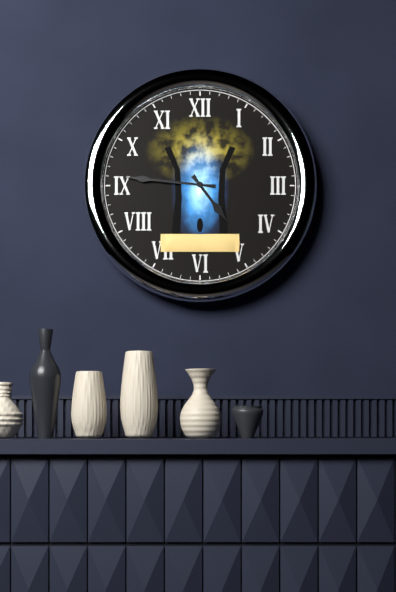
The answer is 4:46
